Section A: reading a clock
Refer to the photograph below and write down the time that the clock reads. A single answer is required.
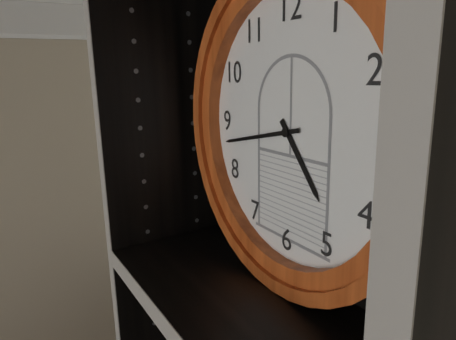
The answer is 4:43
